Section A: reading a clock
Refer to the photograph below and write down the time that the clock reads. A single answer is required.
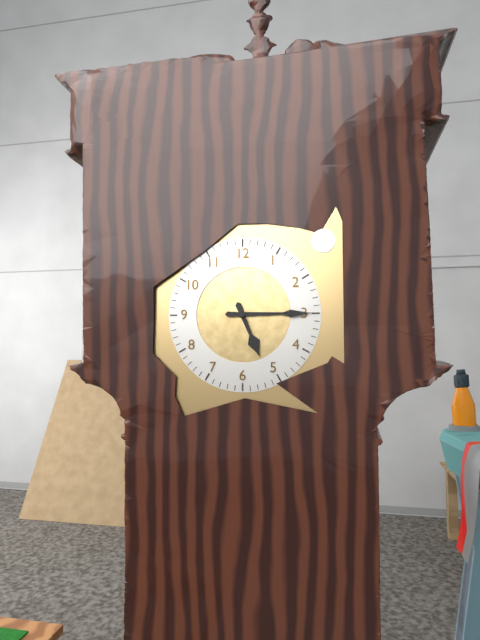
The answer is 5:15
